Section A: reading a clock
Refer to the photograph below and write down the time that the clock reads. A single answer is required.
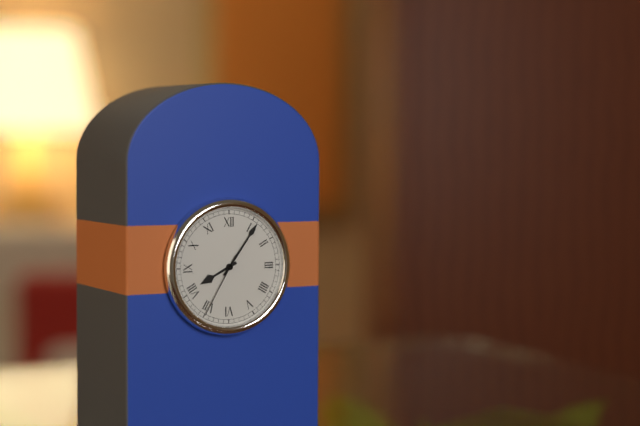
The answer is 8:06:35
